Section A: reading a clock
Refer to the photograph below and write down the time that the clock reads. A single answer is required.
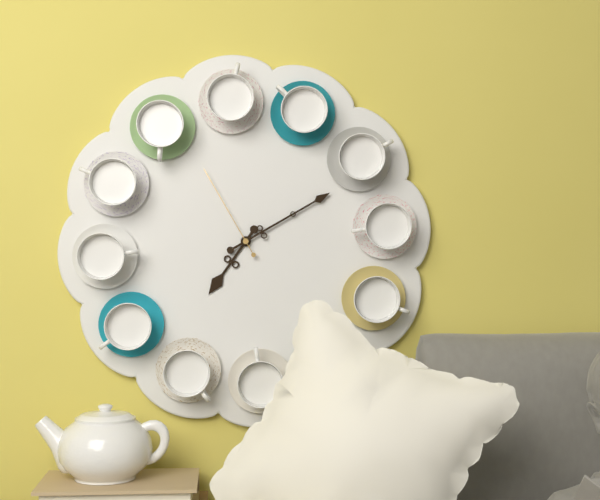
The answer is 7:10:55
